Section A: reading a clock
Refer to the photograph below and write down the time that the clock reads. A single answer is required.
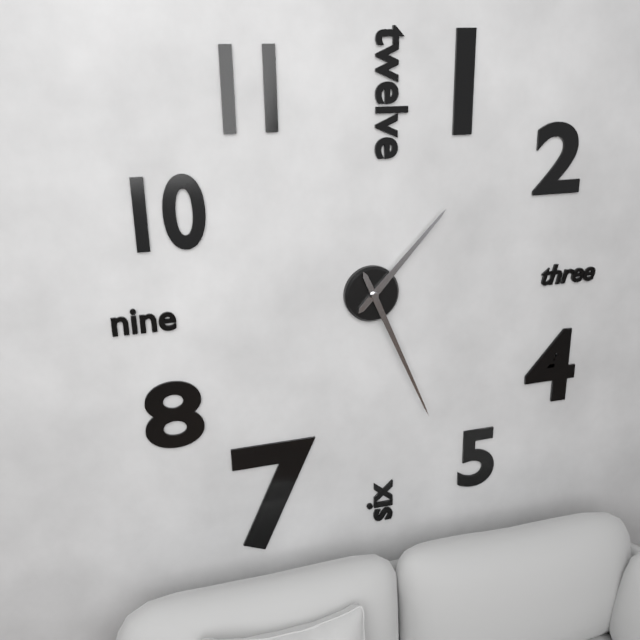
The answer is 1:26
